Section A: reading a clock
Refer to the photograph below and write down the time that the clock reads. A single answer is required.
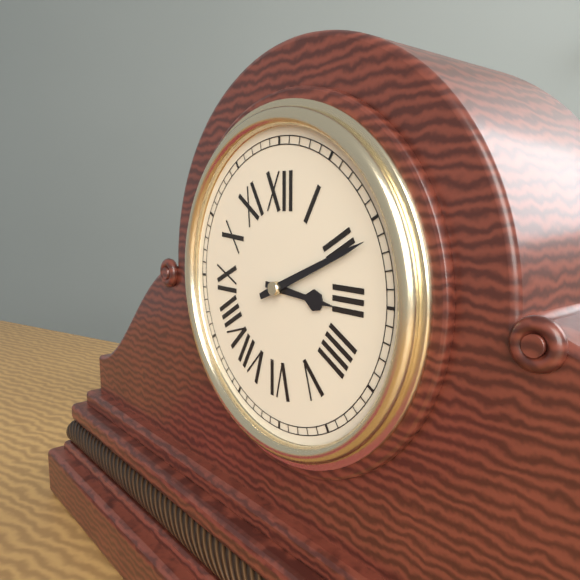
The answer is 3:11
